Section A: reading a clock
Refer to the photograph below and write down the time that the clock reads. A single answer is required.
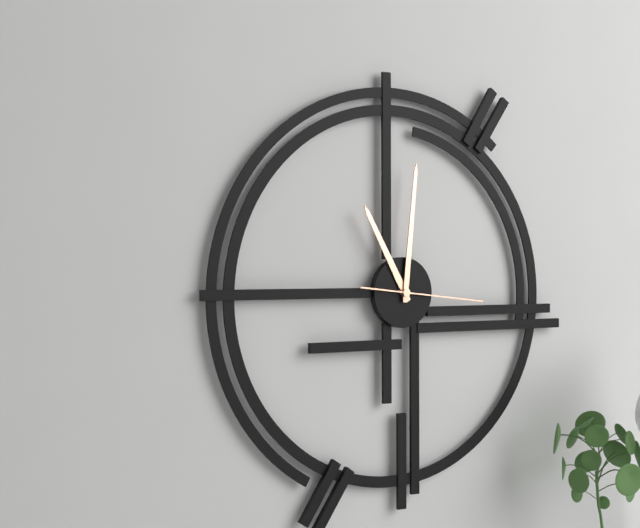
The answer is 11:01:16
